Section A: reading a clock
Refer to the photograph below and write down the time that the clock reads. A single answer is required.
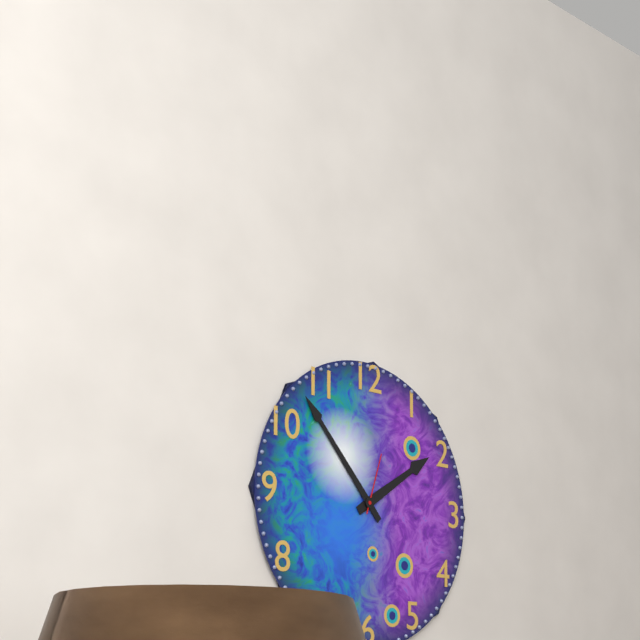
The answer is 1:53:03
